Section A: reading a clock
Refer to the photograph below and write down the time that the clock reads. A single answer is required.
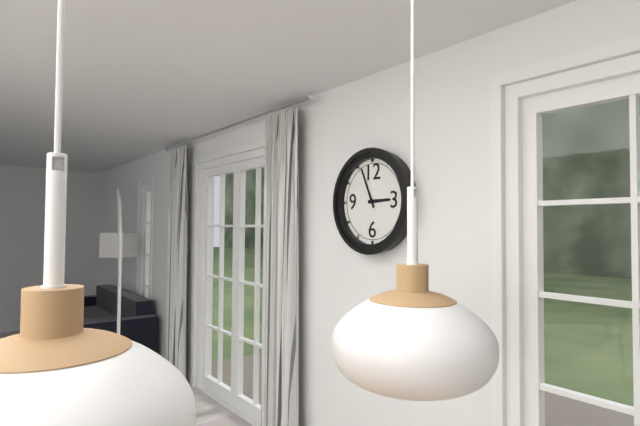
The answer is 2:56
